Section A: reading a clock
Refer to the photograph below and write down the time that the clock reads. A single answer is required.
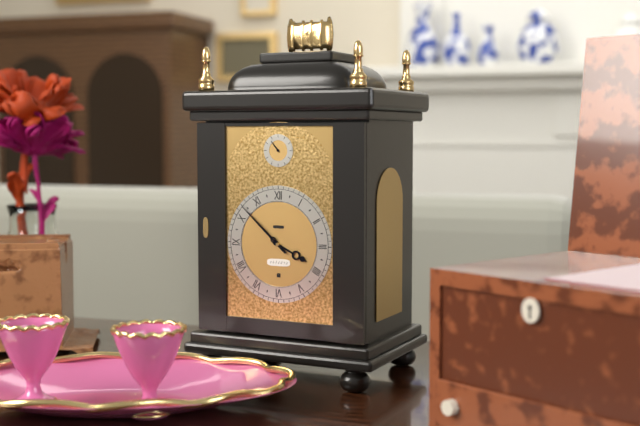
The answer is 3:52
